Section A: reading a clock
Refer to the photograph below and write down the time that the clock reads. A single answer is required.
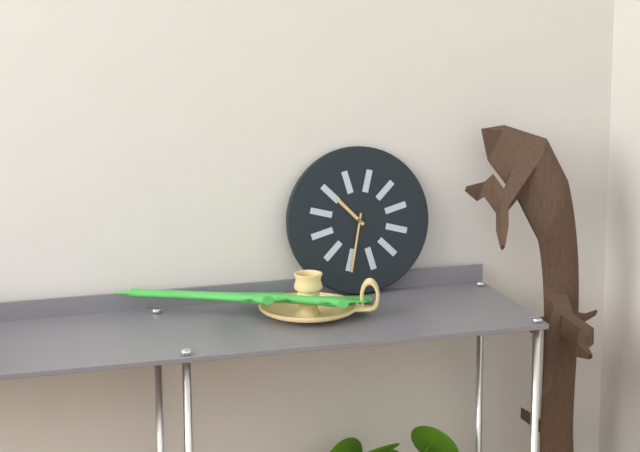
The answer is 10:32
